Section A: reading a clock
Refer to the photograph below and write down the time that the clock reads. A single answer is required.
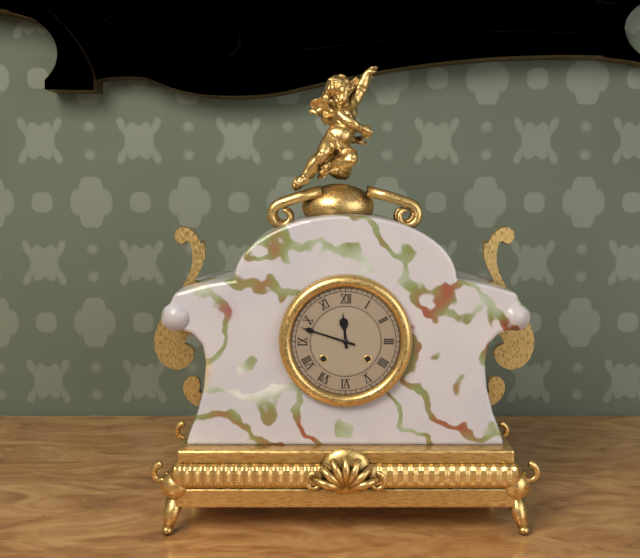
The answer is 11:48
